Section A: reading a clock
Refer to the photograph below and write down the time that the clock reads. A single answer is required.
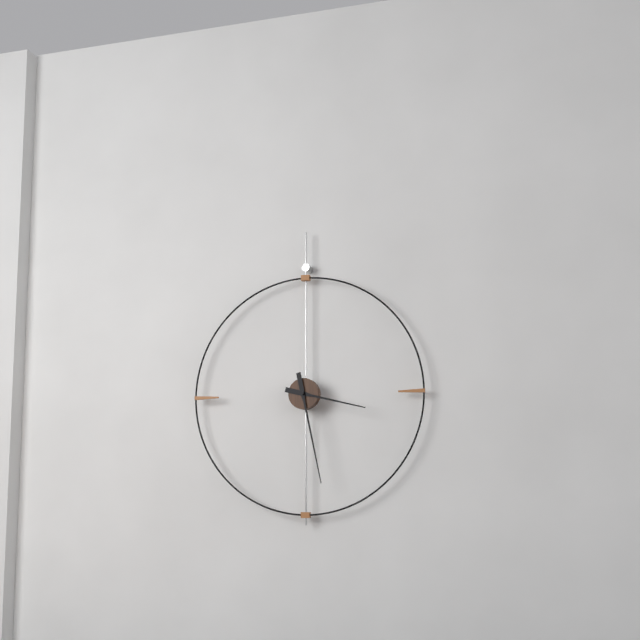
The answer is 3:28
